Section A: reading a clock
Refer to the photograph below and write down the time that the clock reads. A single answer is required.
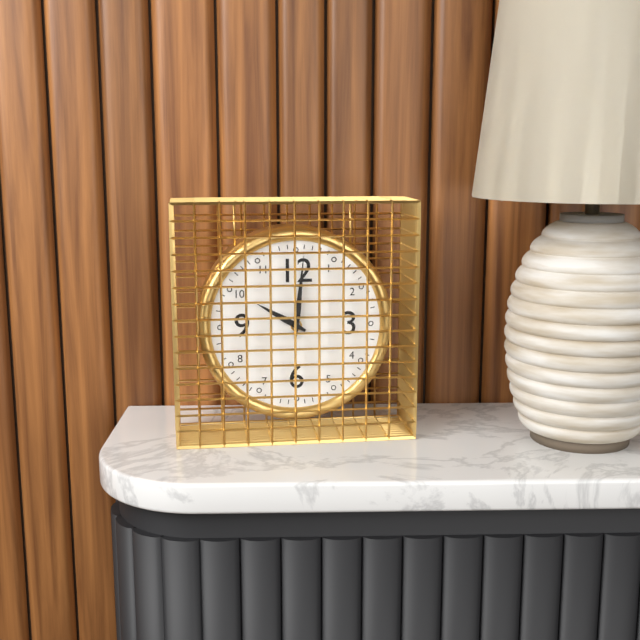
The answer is 10:01
